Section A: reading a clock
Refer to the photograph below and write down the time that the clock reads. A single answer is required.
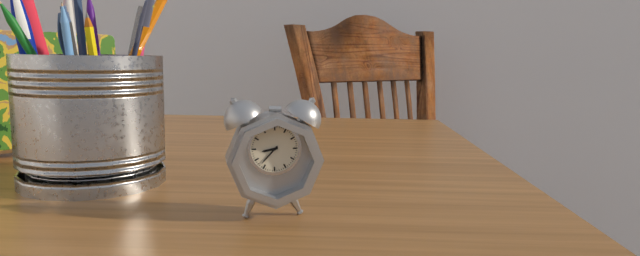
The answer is 8:37
